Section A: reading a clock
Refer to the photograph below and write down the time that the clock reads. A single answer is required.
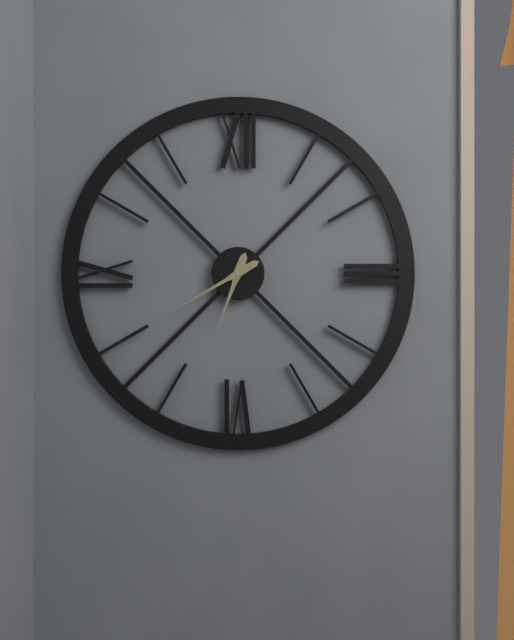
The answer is 6:40
